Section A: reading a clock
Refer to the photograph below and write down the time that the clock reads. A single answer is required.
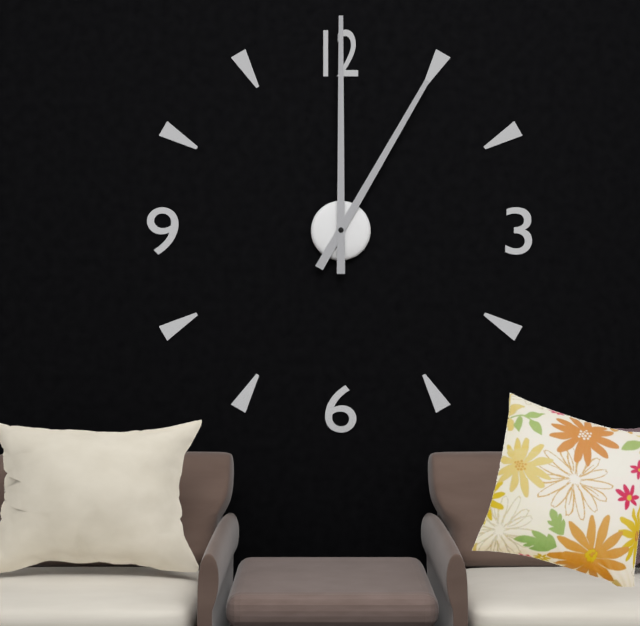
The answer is 1:00
